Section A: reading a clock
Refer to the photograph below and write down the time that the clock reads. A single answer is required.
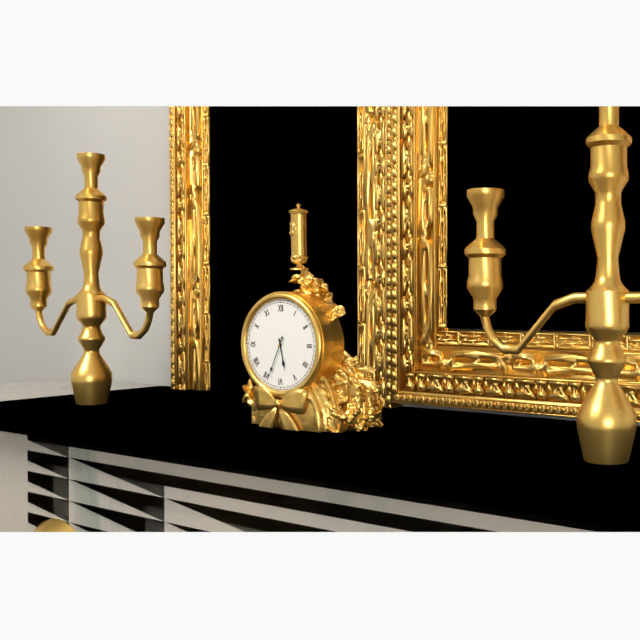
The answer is 5:34
